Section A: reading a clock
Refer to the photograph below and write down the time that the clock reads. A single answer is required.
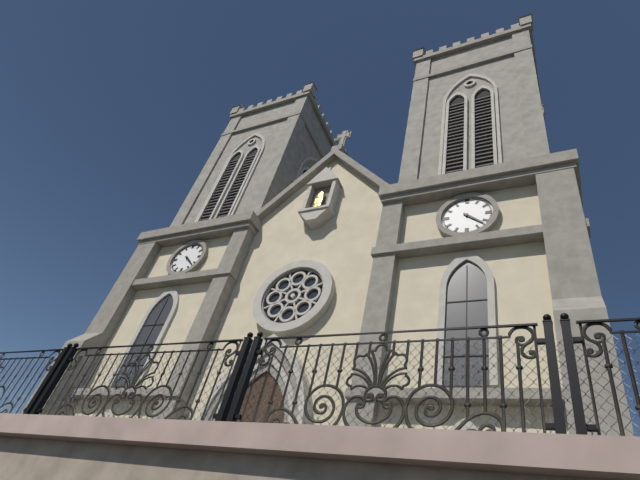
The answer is 4:22
